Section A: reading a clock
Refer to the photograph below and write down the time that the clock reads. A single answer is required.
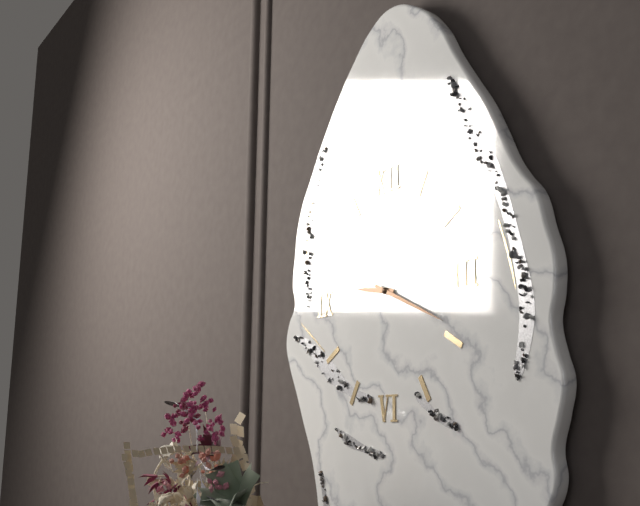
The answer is 9:19
